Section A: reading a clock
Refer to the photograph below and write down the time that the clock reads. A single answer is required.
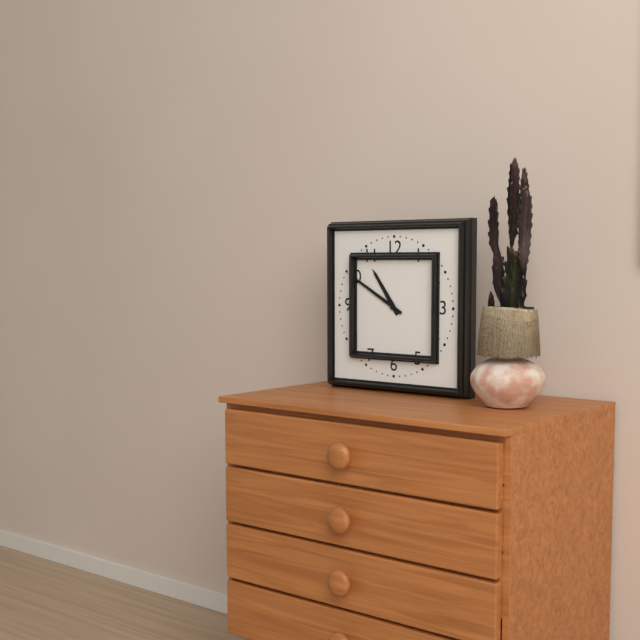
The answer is 10:50
